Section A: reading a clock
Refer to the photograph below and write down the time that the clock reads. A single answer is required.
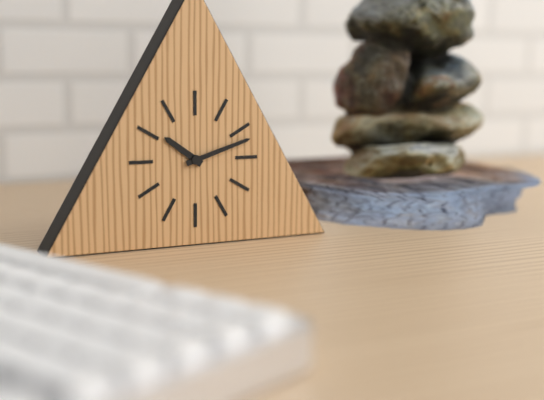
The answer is 10:12
